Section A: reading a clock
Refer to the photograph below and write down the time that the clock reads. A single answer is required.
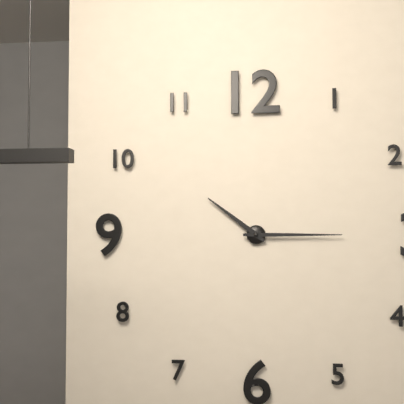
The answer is 10:15
